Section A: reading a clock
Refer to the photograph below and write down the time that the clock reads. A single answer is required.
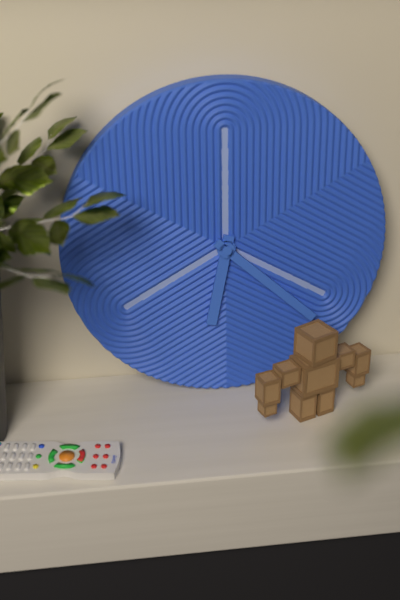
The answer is 6:22
